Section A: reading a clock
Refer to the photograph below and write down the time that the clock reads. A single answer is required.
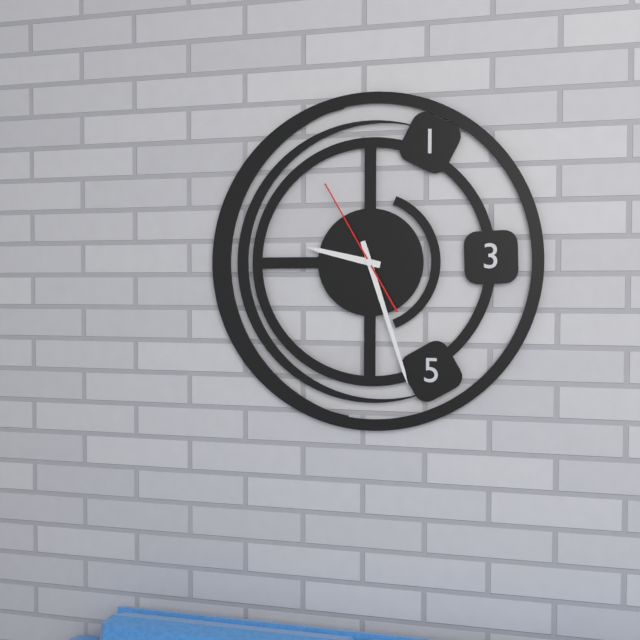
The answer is 9:27:55
